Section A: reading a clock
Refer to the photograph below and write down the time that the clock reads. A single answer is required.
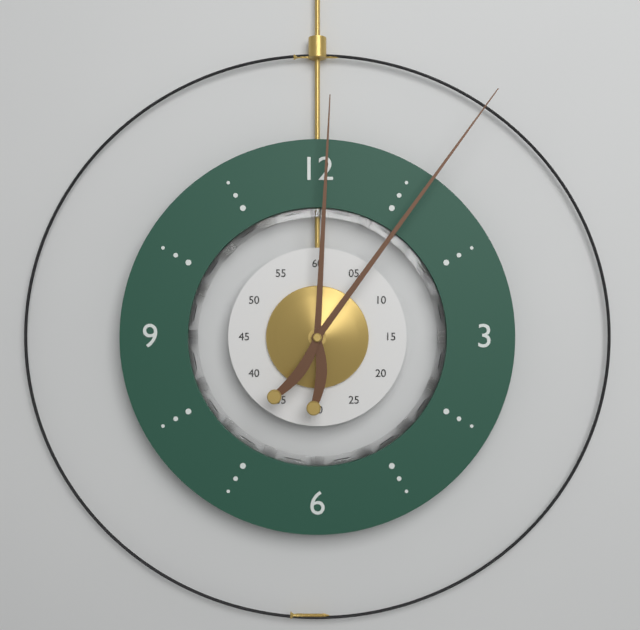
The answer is 12:06
